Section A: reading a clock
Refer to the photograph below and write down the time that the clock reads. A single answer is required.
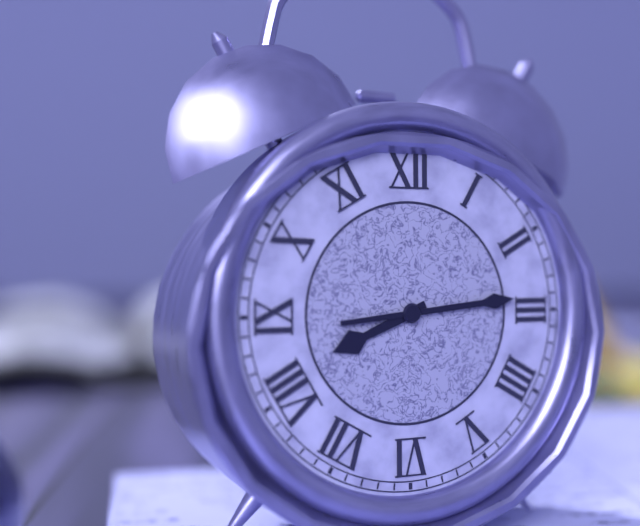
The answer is 8:14
